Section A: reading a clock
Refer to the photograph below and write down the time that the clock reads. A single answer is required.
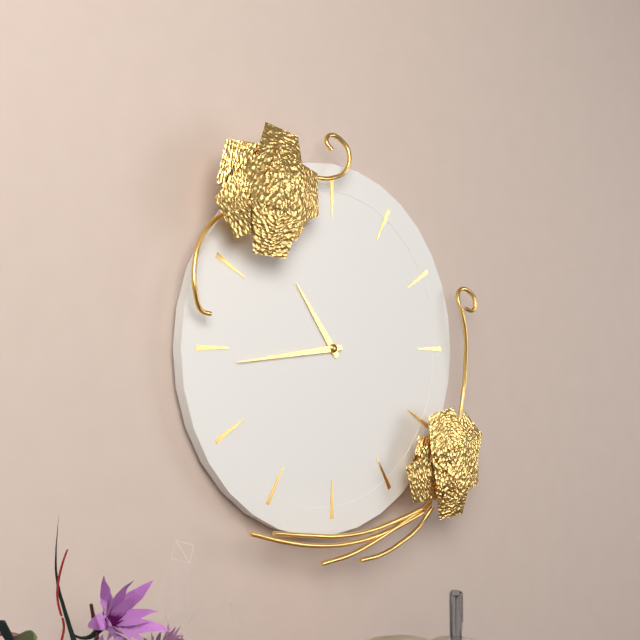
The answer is 10:44
